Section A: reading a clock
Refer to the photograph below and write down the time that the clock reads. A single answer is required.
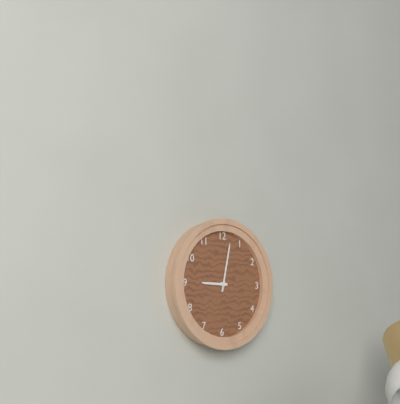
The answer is 9:02
